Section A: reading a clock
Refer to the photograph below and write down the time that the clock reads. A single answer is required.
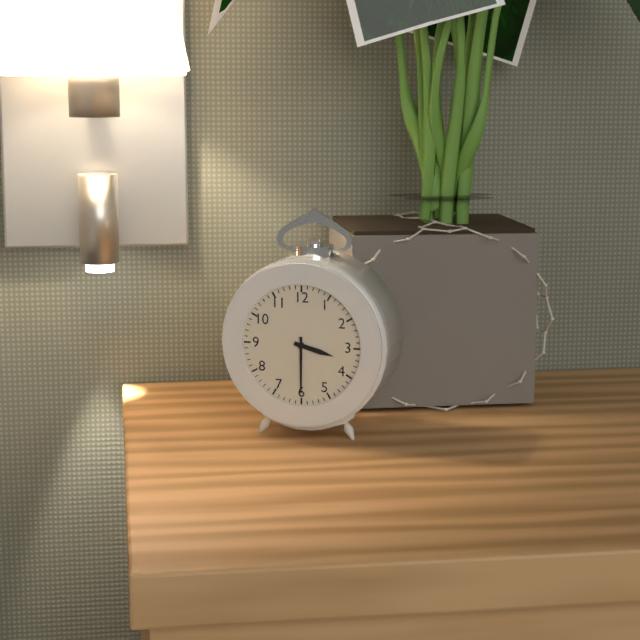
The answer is 3:30
